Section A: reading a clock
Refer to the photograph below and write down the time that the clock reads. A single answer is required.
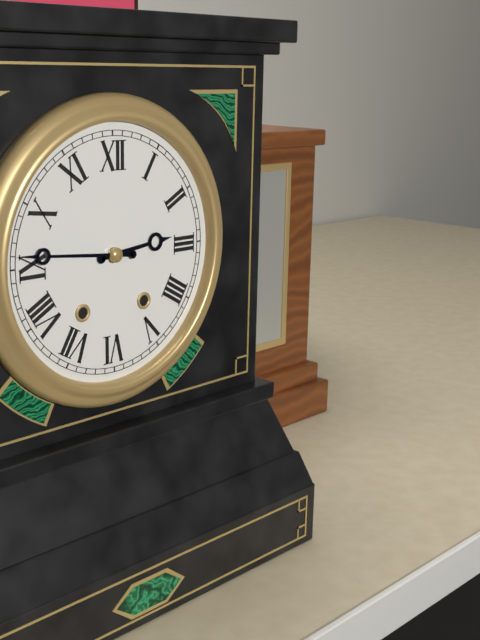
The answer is 2:46
